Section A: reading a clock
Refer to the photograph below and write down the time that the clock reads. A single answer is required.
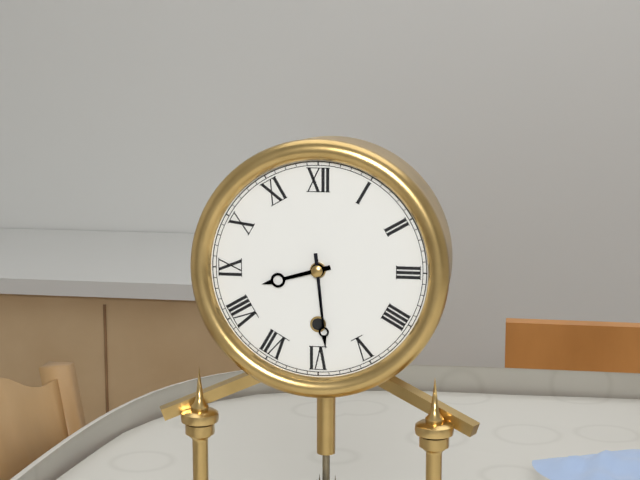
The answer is 8:29
